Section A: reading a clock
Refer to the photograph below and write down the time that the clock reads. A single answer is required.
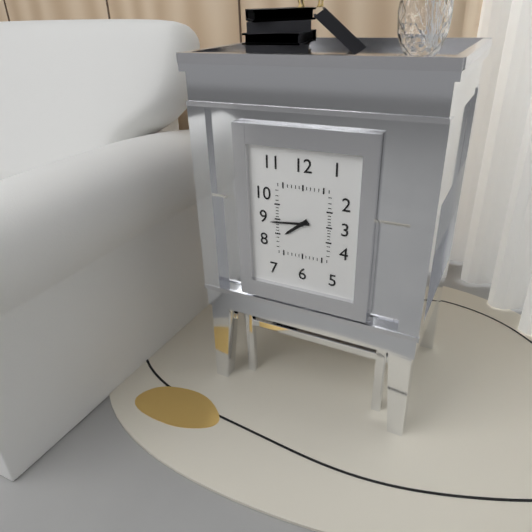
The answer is 7:44
